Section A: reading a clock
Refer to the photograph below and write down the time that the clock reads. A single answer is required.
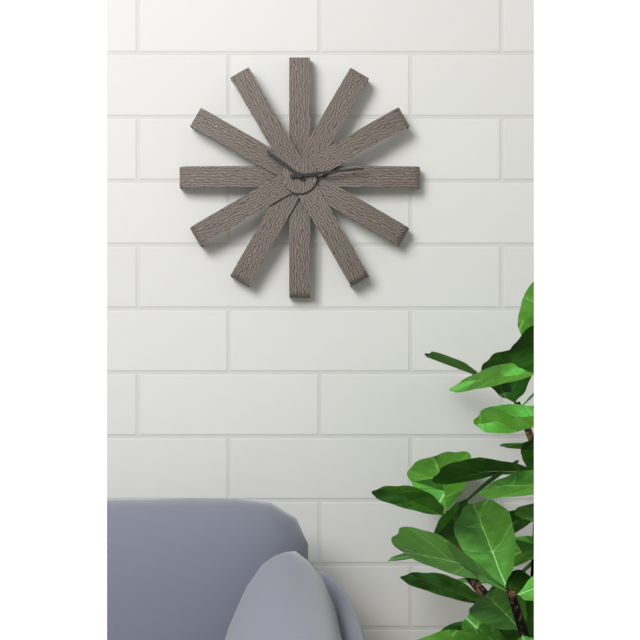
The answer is 10:14
